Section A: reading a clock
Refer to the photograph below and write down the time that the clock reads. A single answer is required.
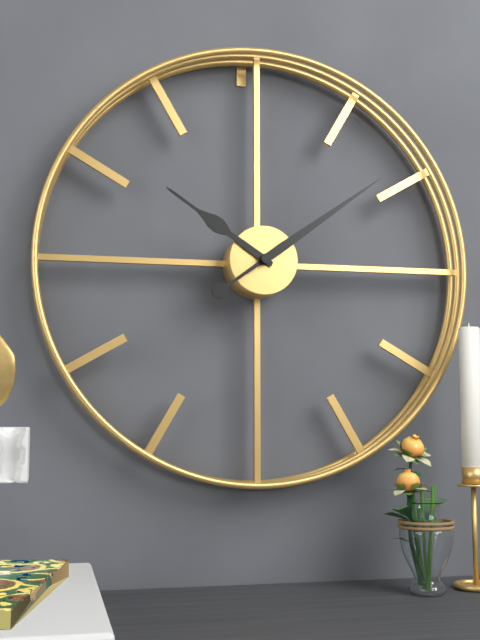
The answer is 10:09
